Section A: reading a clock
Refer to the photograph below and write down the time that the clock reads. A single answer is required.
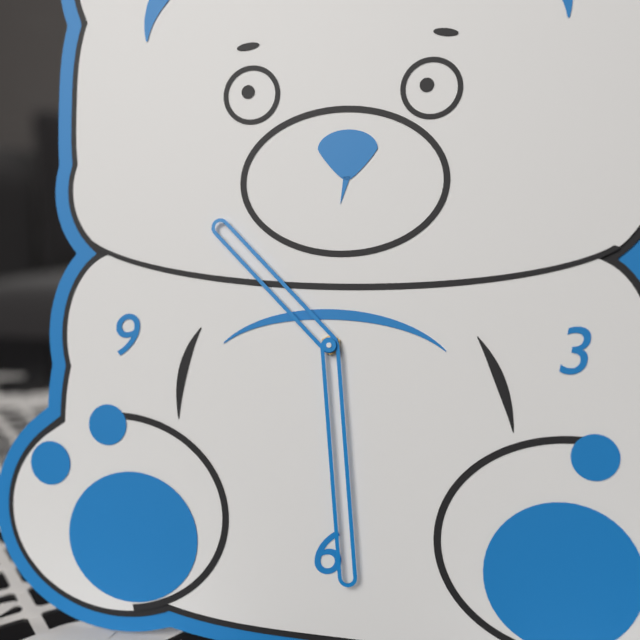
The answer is 10:29
